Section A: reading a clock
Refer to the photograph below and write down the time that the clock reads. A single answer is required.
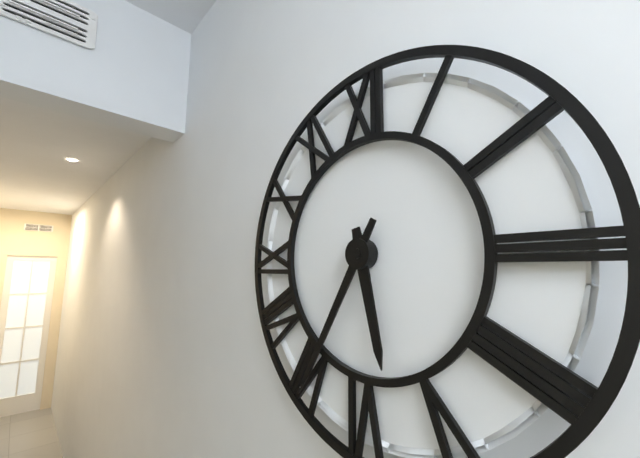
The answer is 5:35
